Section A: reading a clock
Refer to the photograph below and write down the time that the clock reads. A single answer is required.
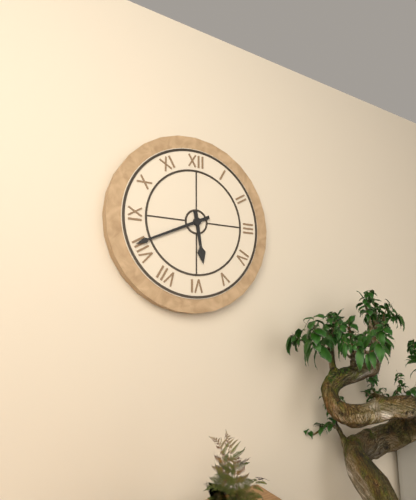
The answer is 5:41
